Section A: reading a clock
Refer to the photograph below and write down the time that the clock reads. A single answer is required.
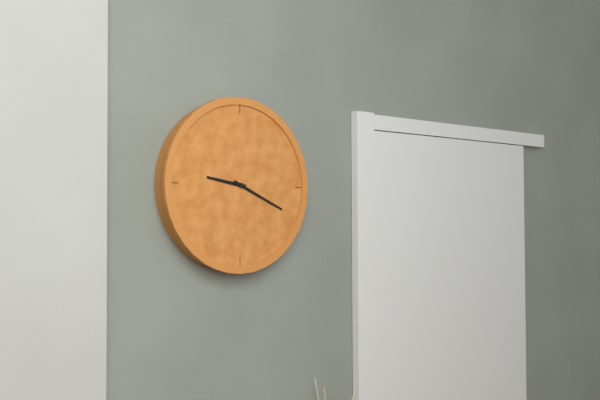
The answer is 9:19
